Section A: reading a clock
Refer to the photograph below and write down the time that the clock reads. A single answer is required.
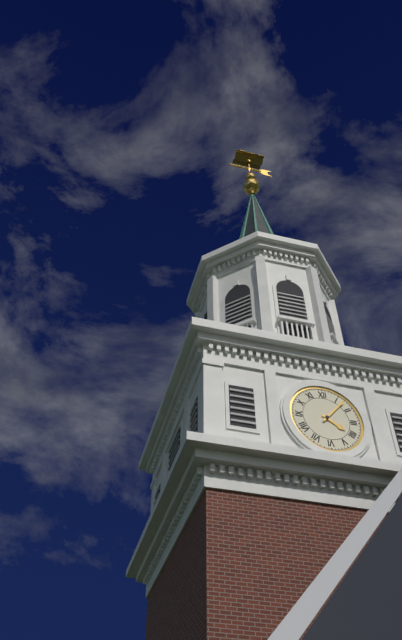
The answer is 4:07
